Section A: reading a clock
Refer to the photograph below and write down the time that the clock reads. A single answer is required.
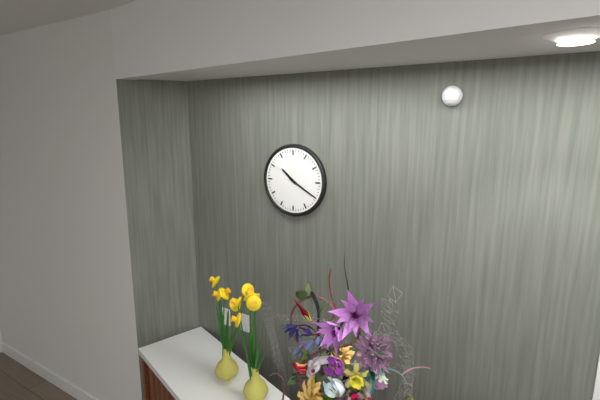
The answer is 10:20
